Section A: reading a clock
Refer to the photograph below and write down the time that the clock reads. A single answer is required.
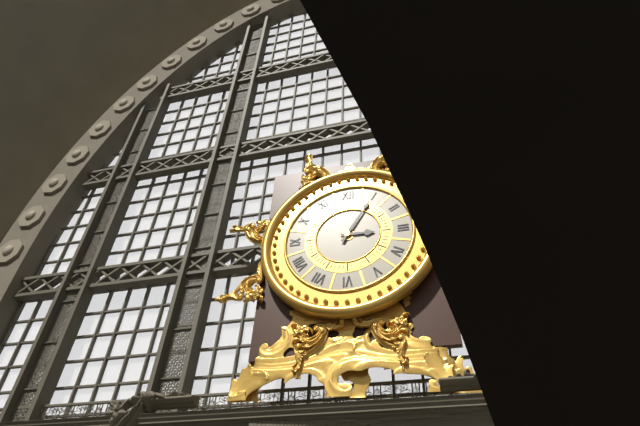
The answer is 3:05
